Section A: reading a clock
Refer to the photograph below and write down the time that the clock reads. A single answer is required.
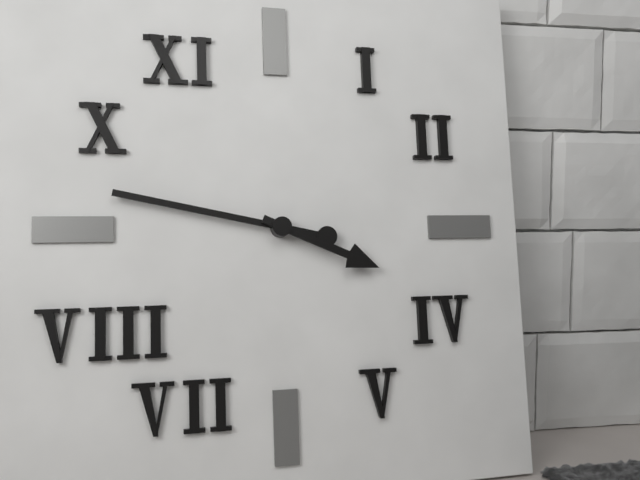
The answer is 3:47
